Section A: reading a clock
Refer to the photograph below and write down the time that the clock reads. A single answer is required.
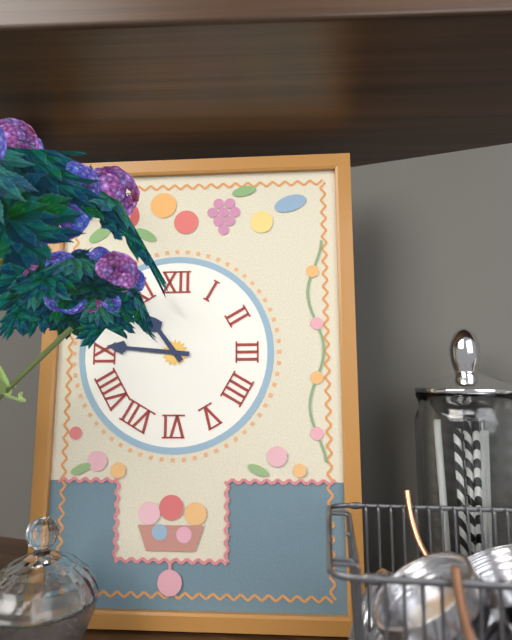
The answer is 10:46
